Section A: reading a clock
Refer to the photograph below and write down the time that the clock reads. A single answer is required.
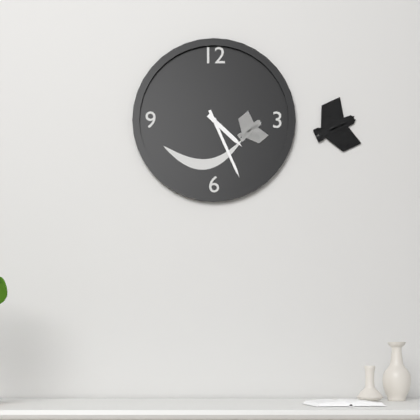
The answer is 4:26
